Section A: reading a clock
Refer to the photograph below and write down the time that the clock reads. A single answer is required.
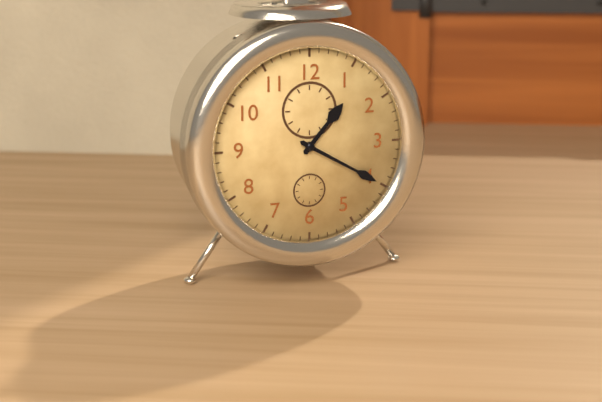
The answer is 1:20
